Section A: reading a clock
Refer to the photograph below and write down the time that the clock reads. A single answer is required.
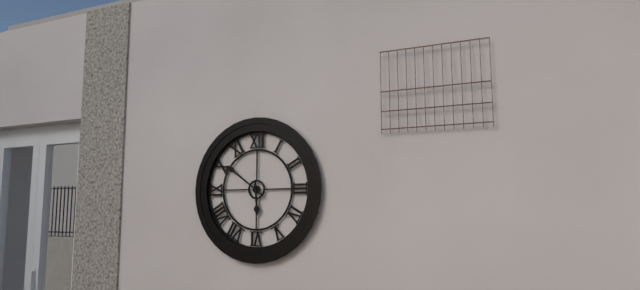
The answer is 5:51
